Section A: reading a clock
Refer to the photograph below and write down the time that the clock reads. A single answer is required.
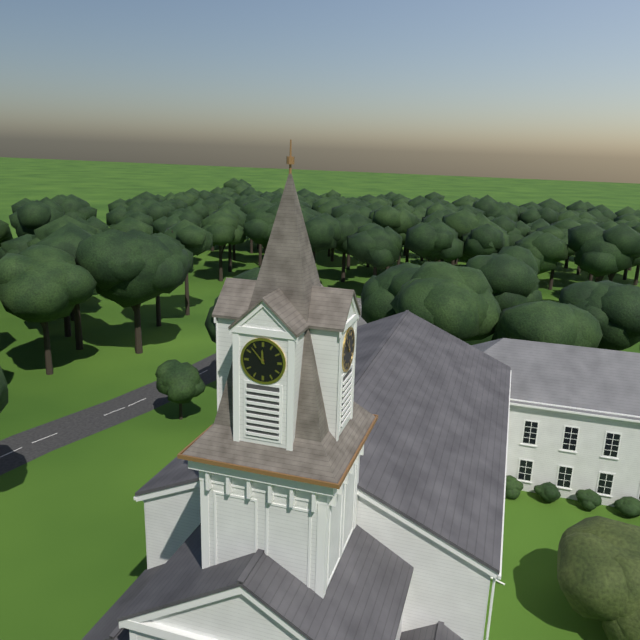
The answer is 11:53
